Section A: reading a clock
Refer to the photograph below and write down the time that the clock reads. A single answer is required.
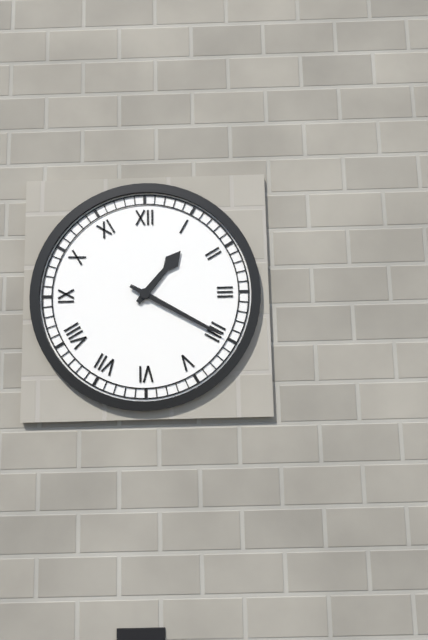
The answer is 1:20
